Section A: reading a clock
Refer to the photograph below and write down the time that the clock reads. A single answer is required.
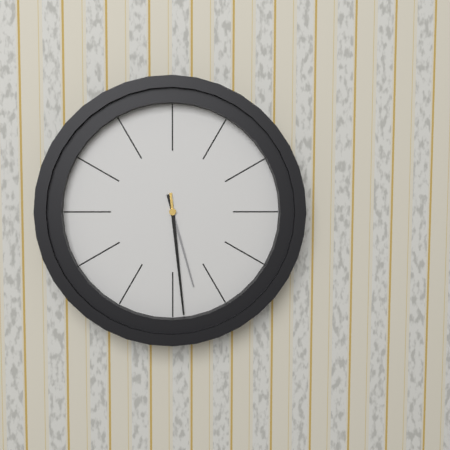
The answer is 5:29
